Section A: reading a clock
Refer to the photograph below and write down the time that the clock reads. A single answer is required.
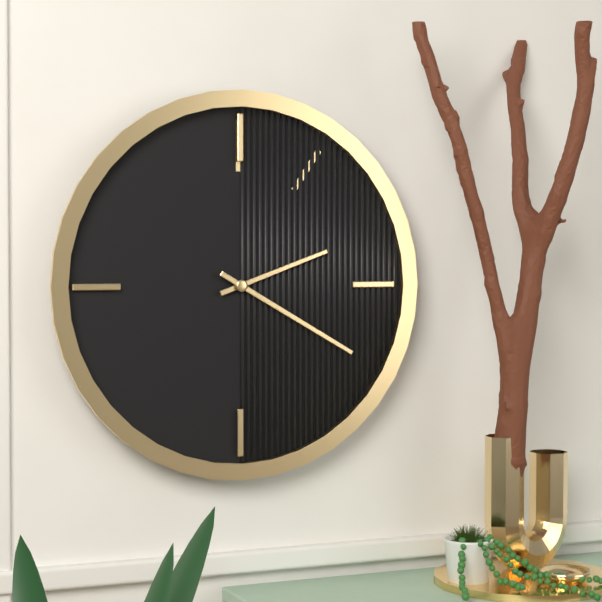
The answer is 2:20
